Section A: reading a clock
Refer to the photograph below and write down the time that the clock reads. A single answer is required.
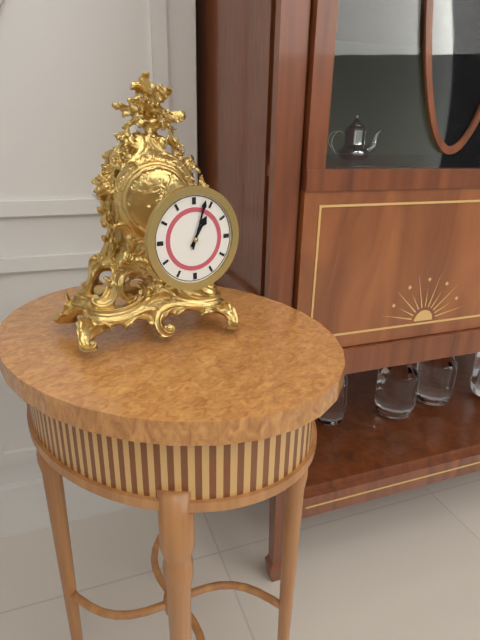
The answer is 1:03
